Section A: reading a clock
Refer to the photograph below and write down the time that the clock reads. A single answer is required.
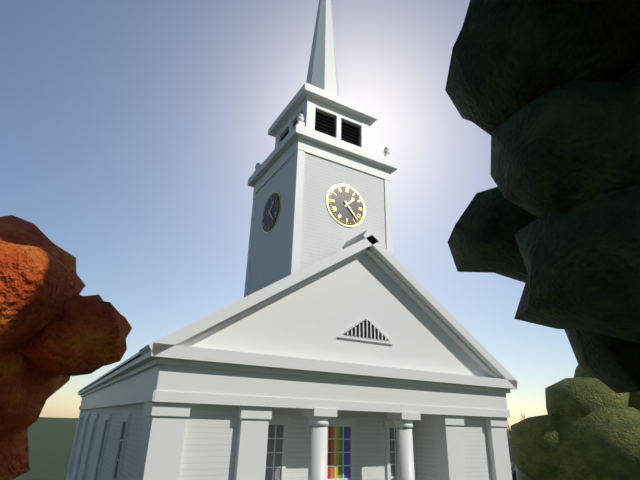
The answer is 1:23
